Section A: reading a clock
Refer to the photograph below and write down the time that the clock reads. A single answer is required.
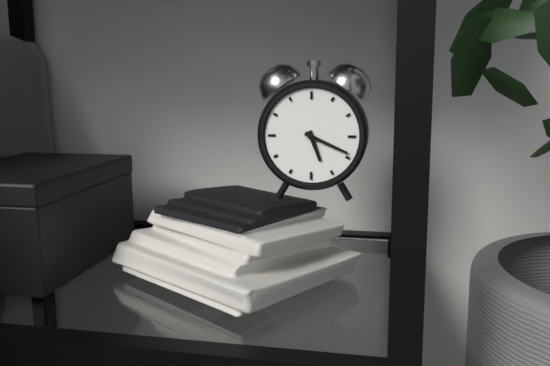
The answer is 5:19
